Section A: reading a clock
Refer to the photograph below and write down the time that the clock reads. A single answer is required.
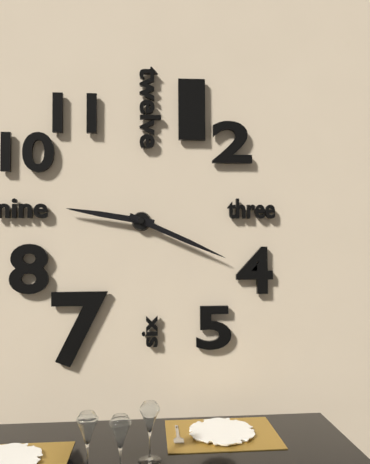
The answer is 9:19
